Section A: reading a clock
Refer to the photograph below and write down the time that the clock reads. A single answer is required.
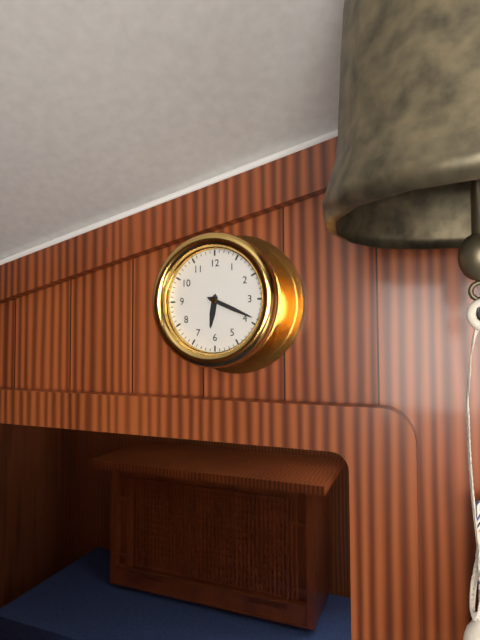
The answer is 6:19
